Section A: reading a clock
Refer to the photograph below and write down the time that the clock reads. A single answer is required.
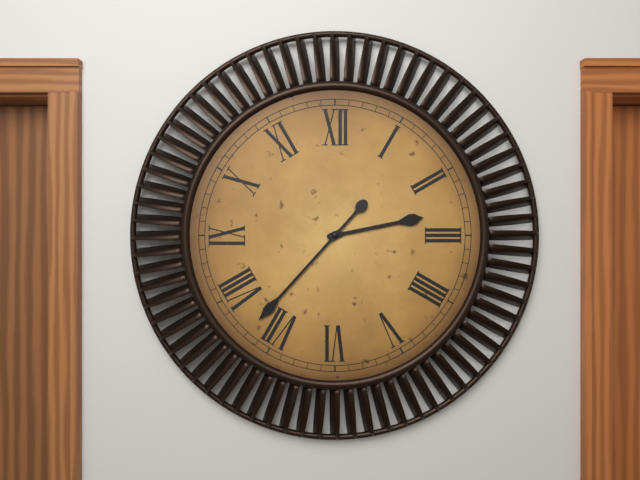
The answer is 2:37
